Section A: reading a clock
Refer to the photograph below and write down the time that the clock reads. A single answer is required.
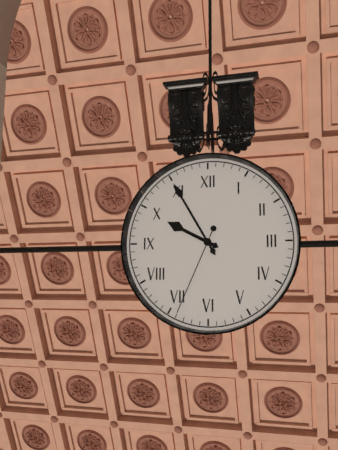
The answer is 9:55:34
